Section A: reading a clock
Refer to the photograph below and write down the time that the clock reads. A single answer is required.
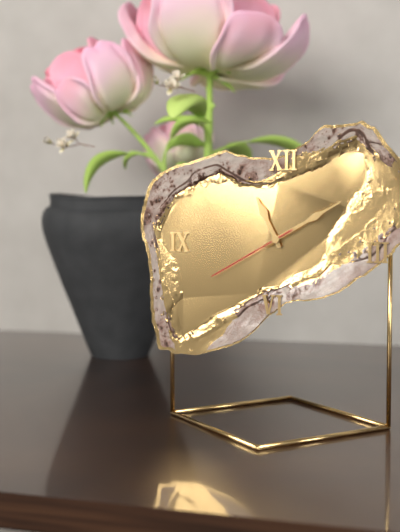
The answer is 11:10:40
